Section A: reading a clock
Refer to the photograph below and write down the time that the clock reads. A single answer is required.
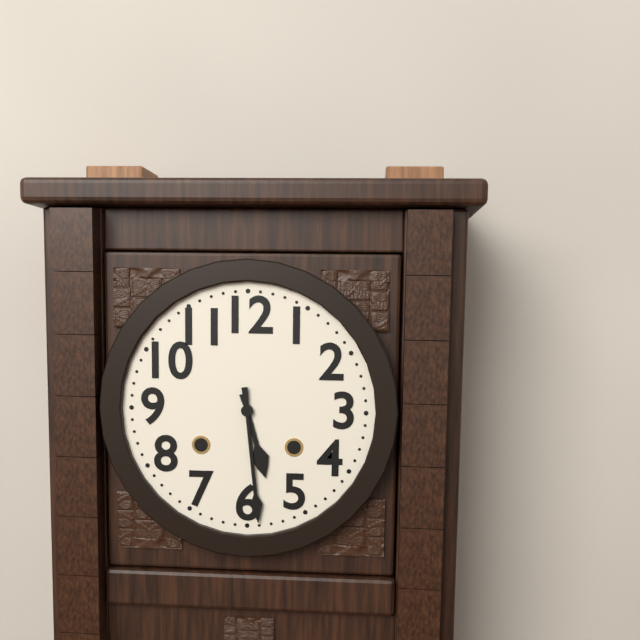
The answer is 5:29
